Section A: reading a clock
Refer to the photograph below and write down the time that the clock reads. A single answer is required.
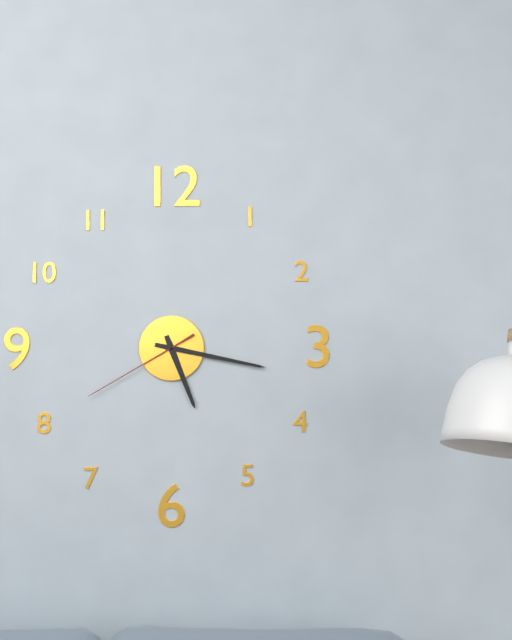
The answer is 5:17:40
